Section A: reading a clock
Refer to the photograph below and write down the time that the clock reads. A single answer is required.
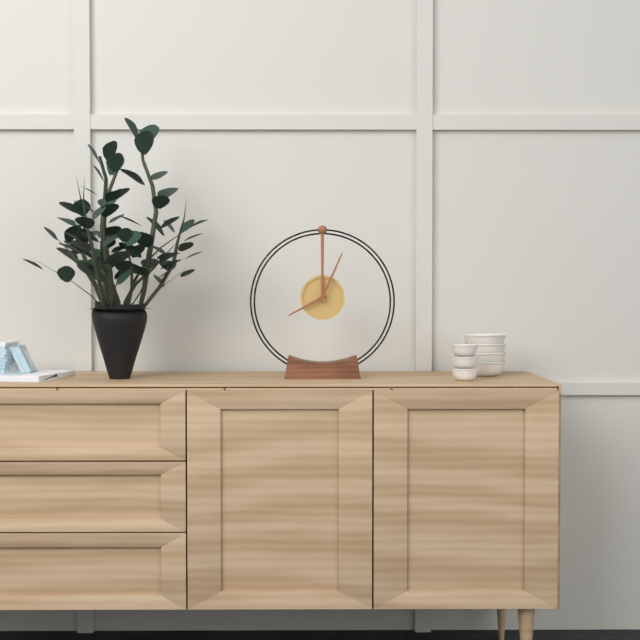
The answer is 8:04
